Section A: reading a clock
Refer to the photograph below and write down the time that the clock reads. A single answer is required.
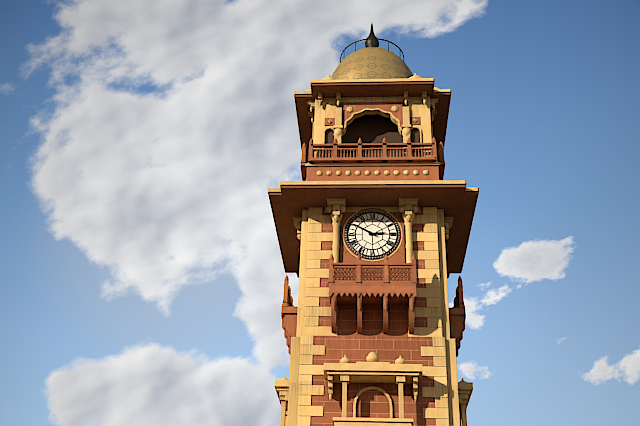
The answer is 2:50
